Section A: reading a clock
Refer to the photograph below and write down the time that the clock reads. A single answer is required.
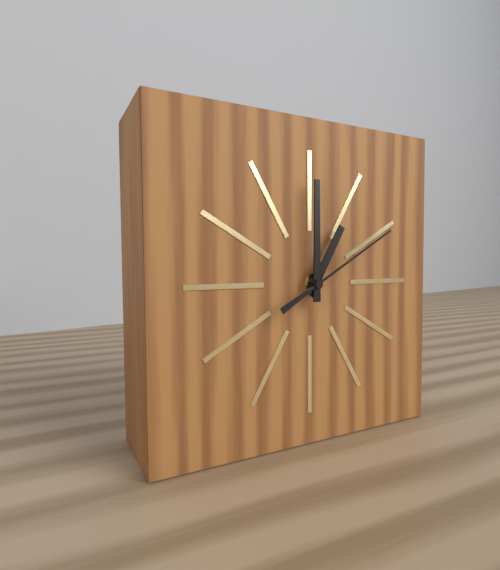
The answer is 1:00:10
